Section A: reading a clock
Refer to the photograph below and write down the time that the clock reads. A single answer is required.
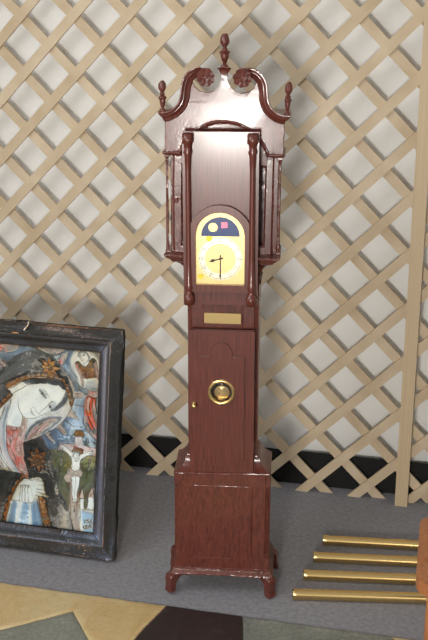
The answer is 8:30
